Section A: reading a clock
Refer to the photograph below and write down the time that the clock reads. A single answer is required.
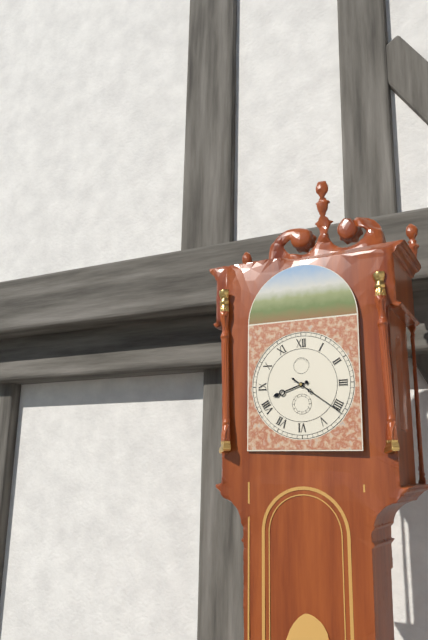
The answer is 8:21
